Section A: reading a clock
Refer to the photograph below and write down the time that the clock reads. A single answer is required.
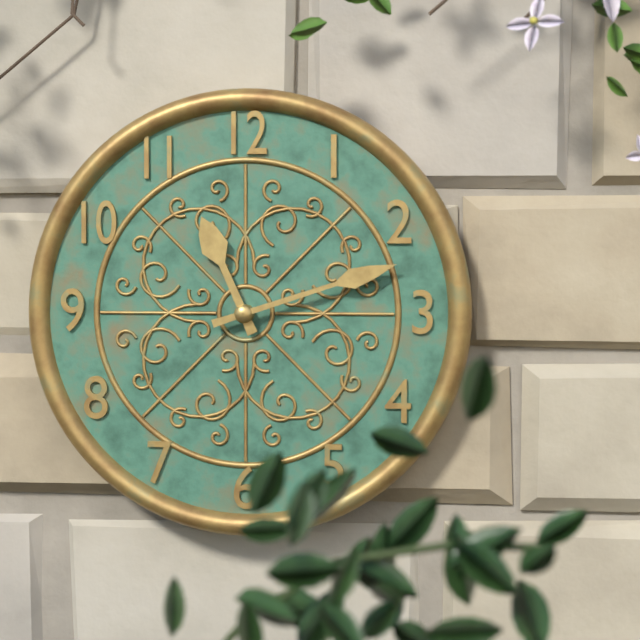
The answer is 11:12
